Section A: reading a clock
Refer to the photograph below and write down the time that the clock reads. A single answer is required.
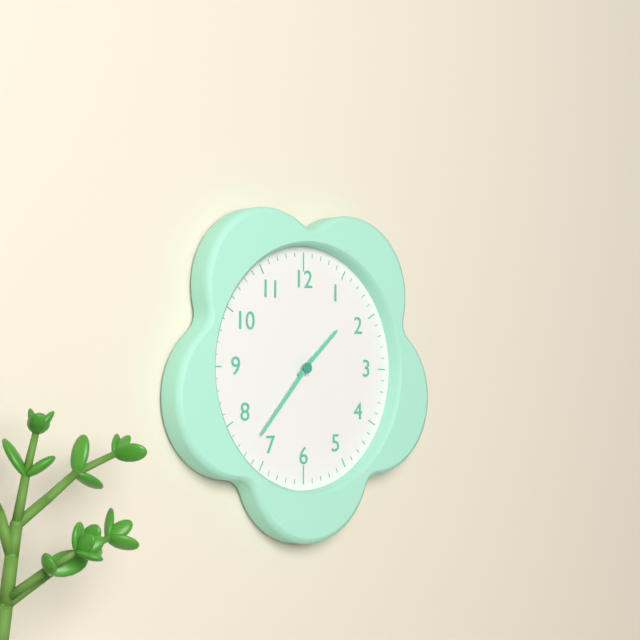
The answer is 1:37
